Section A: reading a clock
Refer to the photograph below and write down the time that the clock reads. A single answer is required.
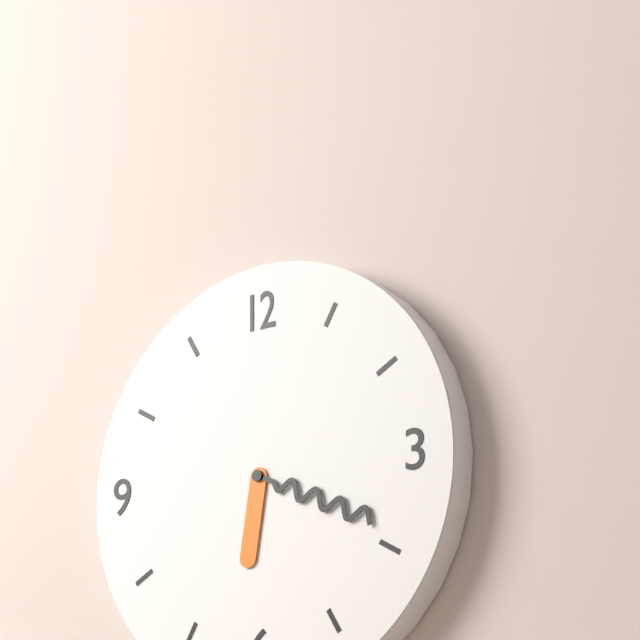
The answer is 6:19
